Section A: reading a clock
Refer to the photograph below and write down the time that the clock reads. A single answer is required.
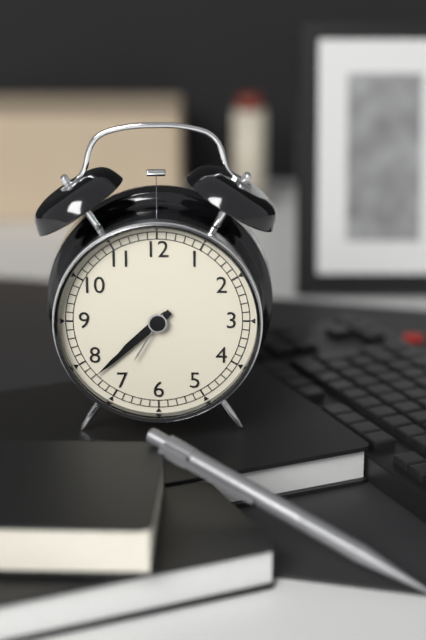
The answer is 7:38
